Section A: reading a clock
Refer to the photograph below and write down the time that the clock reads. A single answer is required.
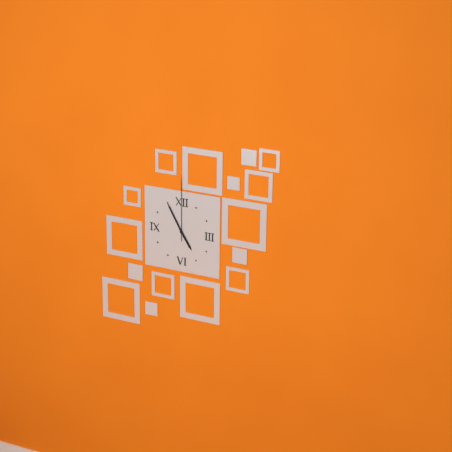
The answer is 4:55:00
